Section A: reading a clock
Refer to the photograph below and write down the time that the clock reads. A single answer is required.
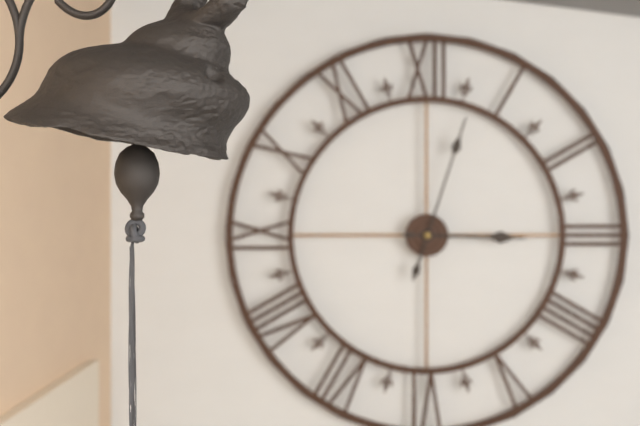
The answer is 3:03
